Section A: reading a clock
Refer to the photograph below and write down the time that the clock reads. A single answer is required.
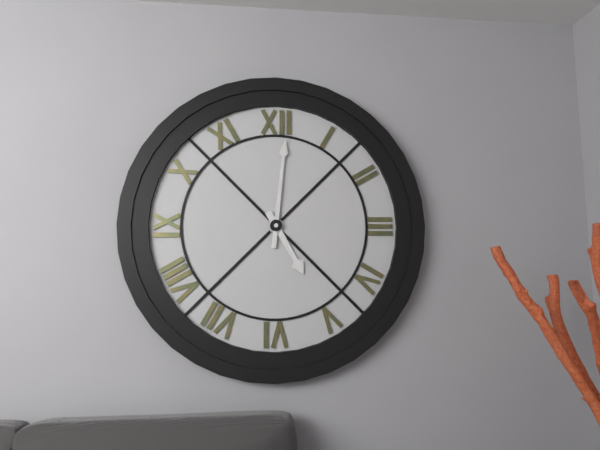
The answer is 5:01
